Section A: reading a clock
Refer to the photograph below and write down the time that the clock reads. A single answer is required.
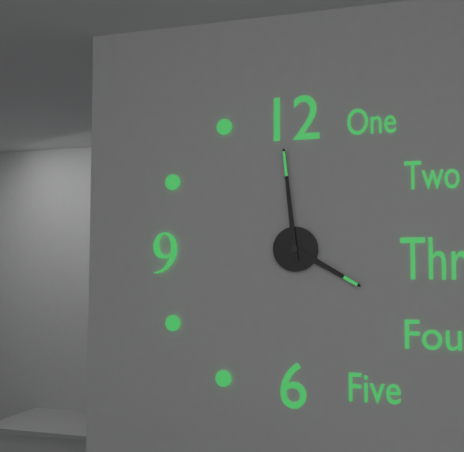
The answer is 3:59
